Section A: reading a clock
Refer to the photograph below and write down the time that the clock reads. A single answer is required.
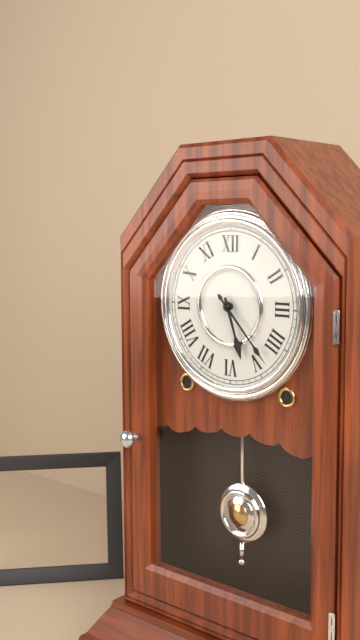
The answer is 5:23
